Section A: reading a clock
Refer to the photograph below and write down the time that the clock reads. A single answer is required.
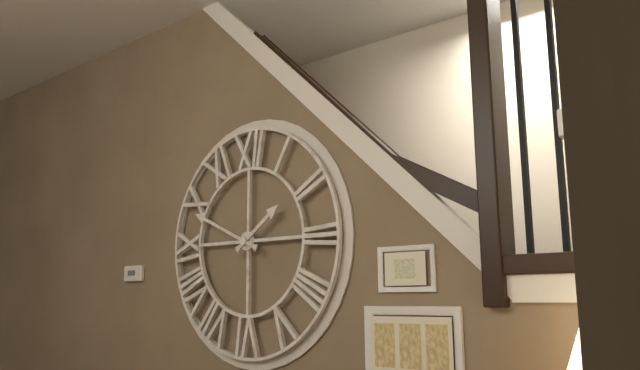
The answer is 1:49
